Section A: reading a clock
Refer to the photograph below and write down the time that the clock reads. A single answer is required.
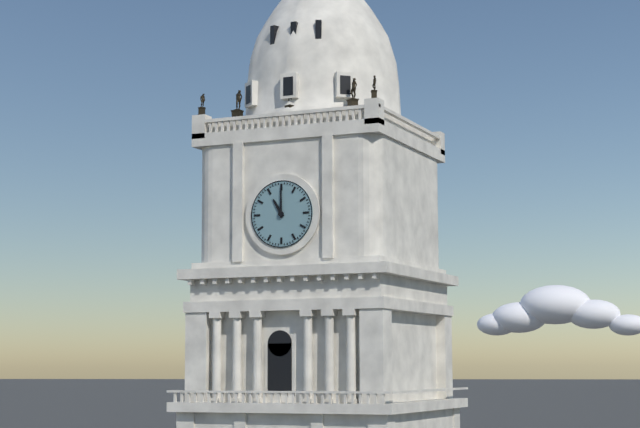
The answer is 11:00
